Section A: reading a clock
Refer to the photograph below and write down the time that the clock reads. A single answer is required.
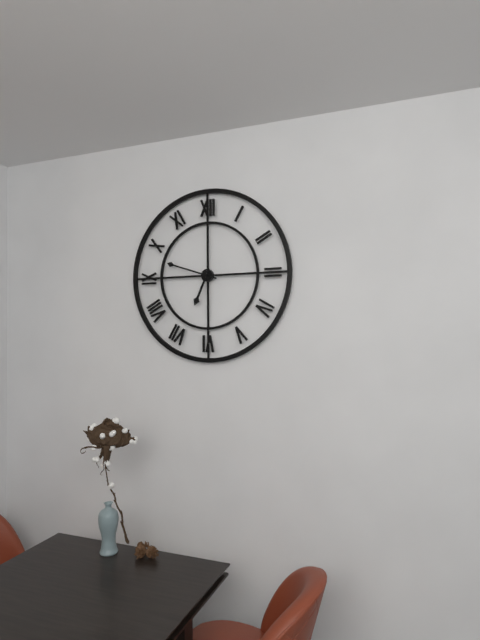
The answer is 6:48
